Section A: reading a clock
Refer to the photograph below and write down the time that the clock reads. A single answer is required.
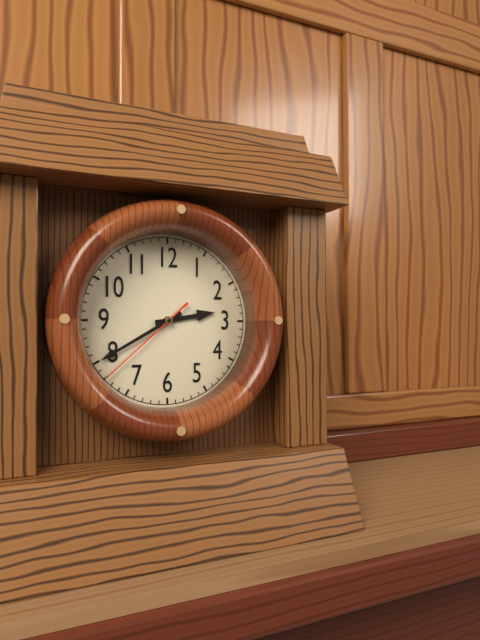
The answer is 2:40:38
